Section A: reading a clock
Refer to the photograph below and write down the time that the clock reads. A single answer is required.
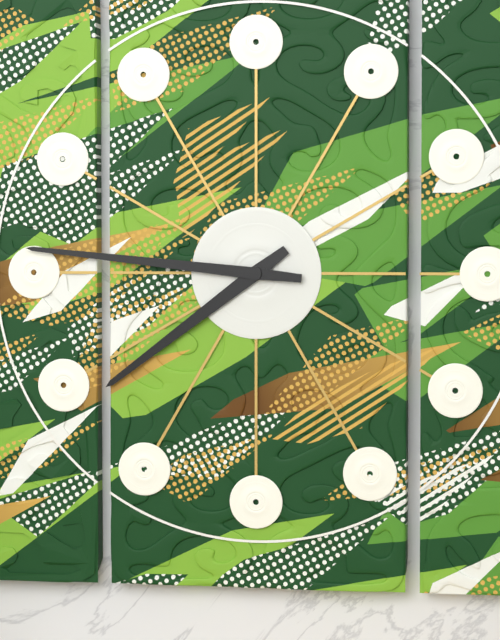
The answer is 7:46
